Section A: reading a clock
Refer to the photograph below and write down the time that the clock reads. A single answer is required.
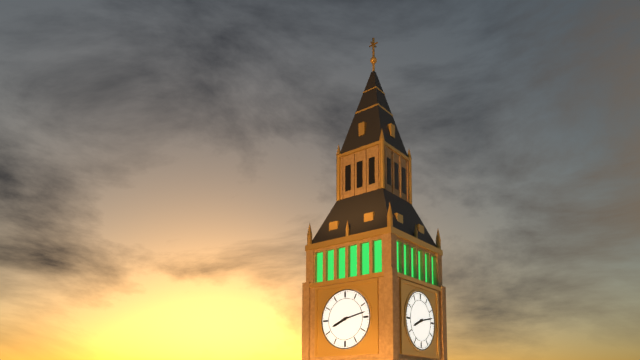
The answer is 8:13
